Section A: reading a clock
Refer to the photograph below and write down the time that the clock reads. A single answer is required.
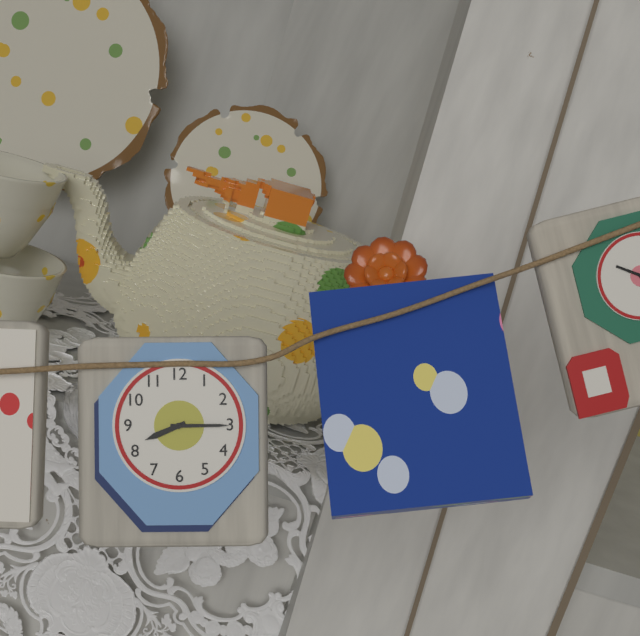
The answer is 8:15
